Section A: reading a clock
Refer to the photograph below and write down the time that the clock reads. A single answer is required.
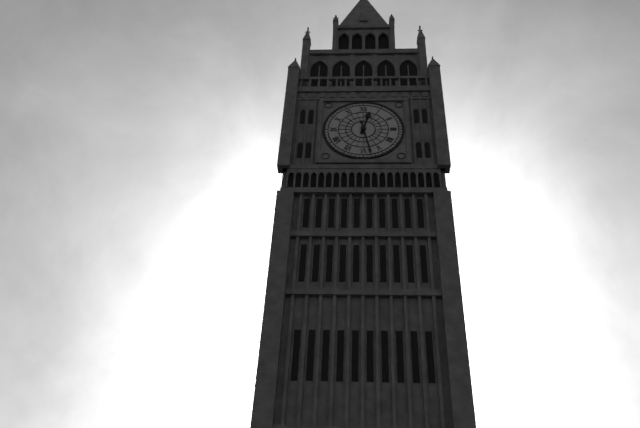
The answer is 12:28
